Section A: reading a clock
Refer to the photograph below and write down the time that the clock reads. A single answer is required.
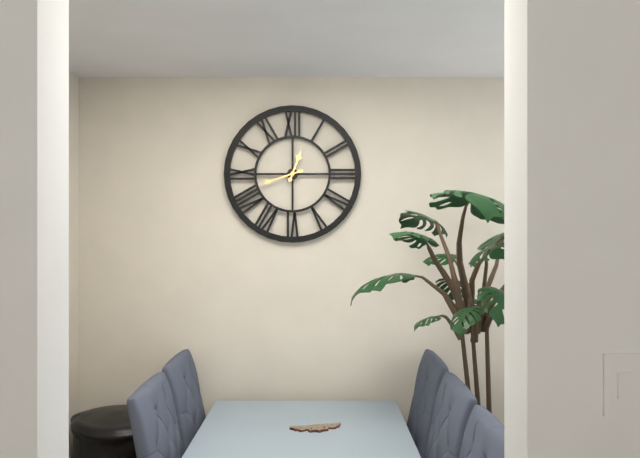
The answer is 12:42
